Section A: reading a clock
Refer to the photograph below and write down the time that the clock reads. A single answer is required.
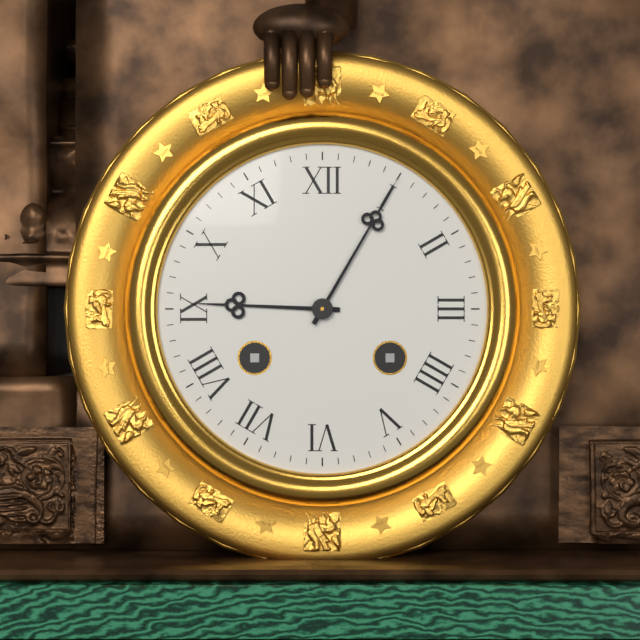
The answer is 9:05
